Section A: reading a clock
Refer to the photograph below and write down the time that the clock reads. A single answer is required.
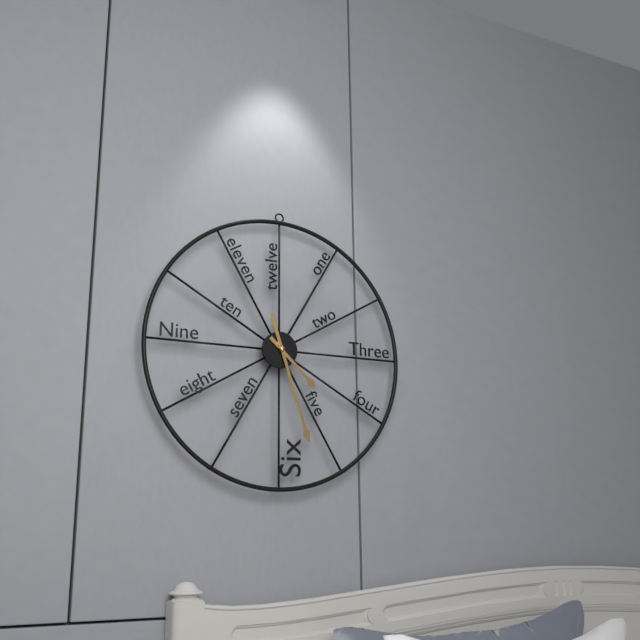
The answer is 4:27
